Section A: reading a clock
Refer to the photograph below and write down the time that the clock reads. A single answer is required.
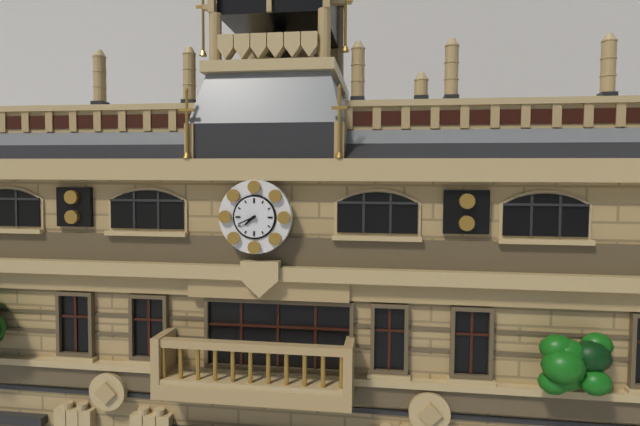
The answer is 7:41
